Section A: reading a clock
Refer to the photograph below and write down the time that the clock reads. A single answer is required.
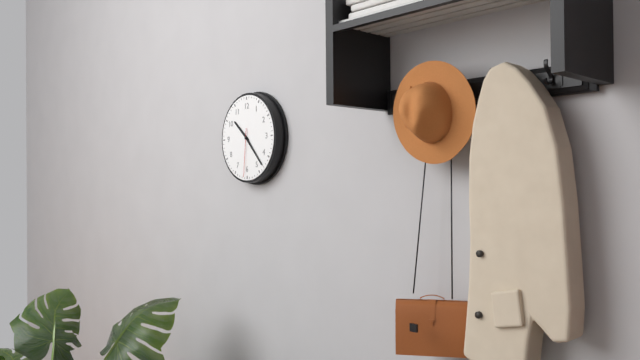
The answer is 10:23
